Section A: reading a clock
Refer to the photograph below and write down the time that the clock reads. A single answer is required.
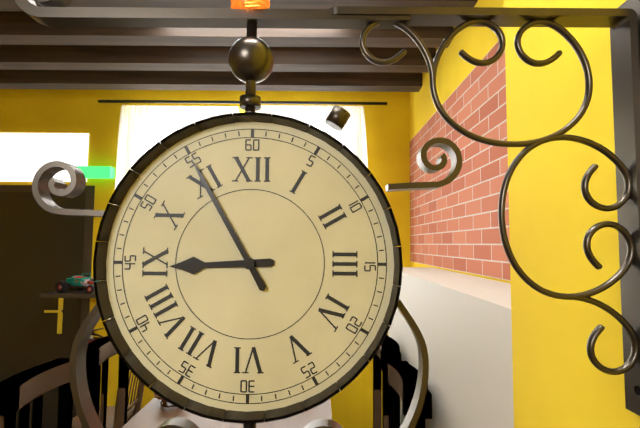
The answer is 8:55
